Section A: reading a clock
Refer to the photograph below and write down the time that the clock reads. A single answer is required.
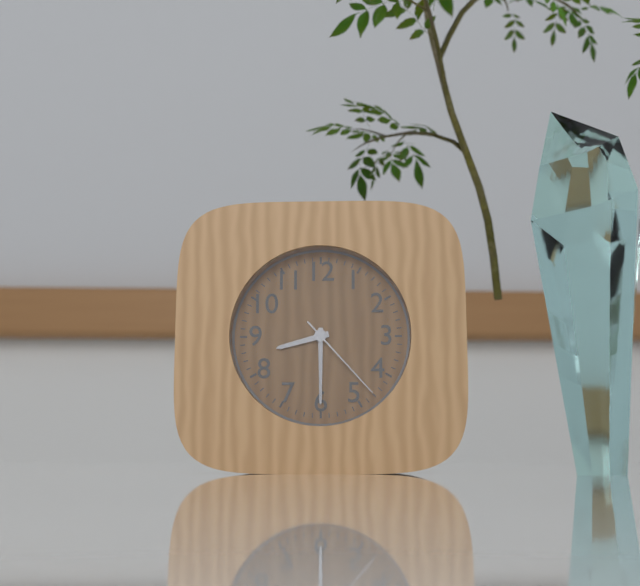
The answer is 8:30:23
